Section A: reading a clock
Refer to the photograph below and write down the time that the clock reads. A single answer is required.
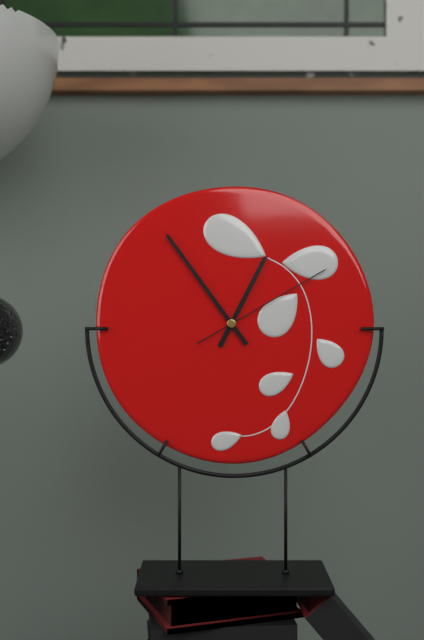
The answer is 12:54:10
